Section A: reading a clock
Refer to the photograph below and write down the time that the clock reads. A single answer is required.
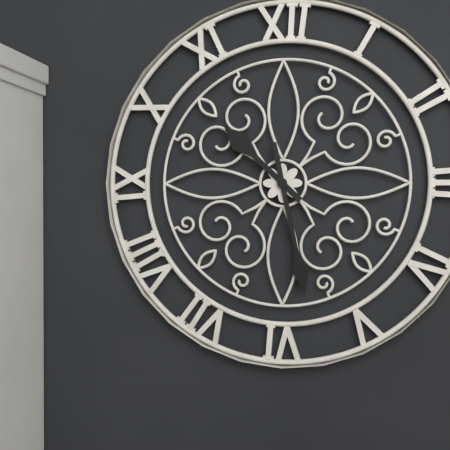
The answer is 10:28
